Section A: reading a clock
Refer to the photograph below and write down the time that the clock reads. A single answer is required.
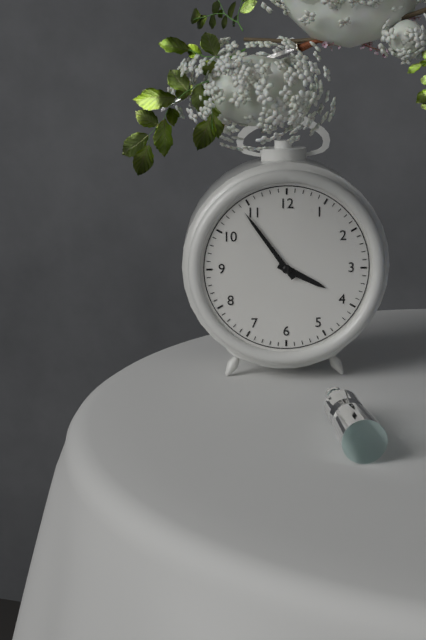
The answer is 3:54
